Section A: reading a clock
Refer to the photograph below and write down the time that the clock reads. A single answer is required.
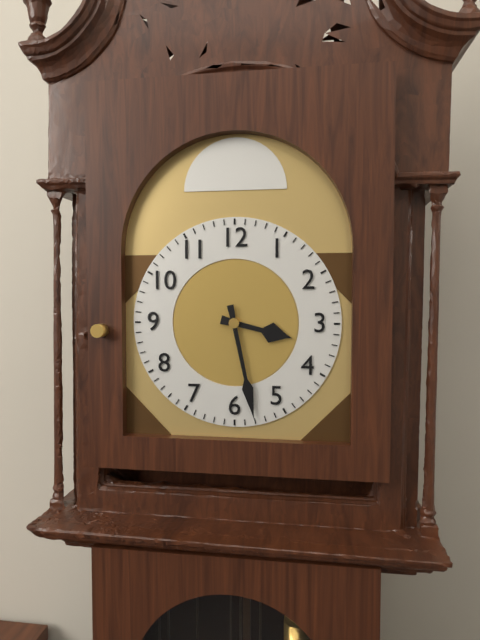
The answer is 3:28
